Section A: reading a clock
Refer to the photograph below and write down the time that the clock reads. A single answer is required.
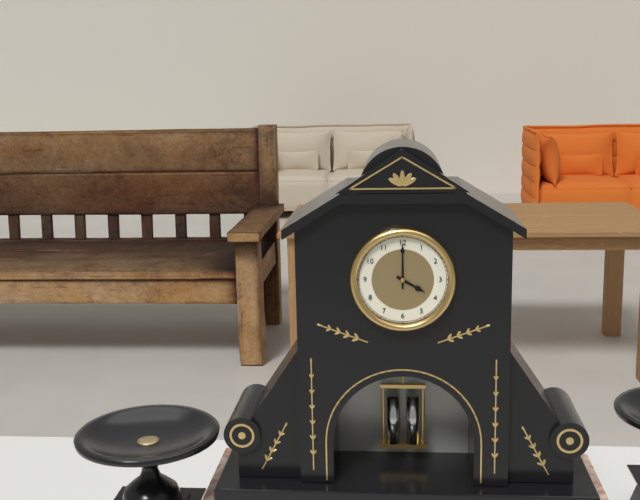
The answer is 4:00
